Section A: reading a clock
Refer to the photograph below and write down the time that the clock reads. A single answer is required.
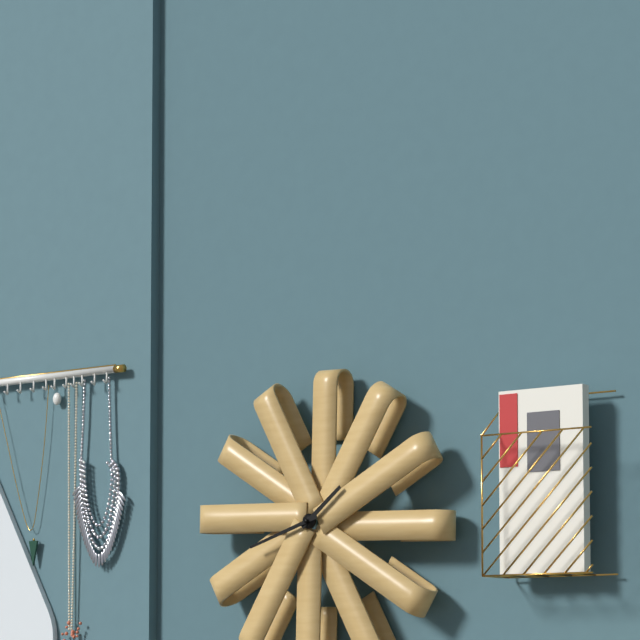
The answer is 1:42
